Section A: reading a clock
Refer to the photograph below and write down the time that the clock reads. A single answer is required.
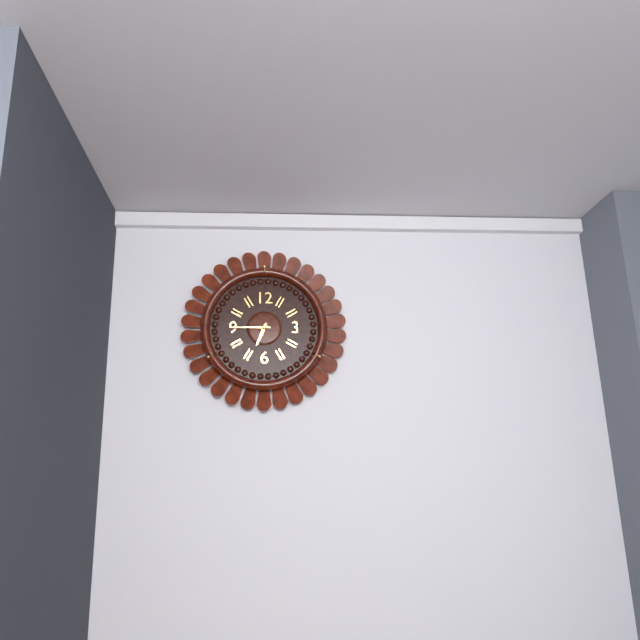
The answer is 6:45
